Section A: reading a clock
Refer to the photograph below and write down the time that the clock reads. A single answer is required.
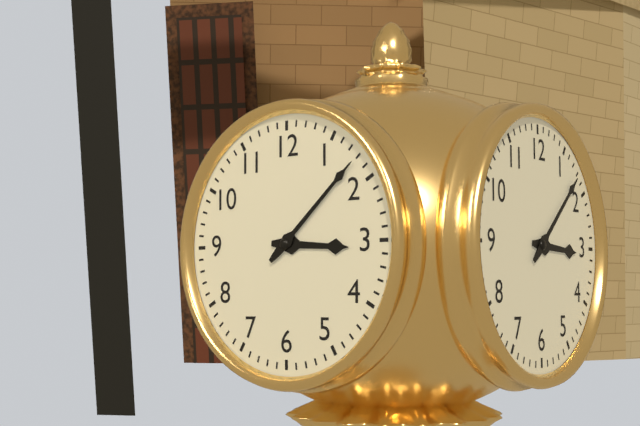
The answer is 3:08
